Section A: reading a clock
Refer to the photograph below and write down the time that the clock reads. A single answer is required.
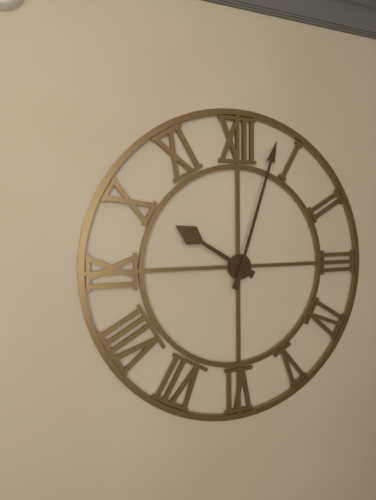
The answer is 10:03
